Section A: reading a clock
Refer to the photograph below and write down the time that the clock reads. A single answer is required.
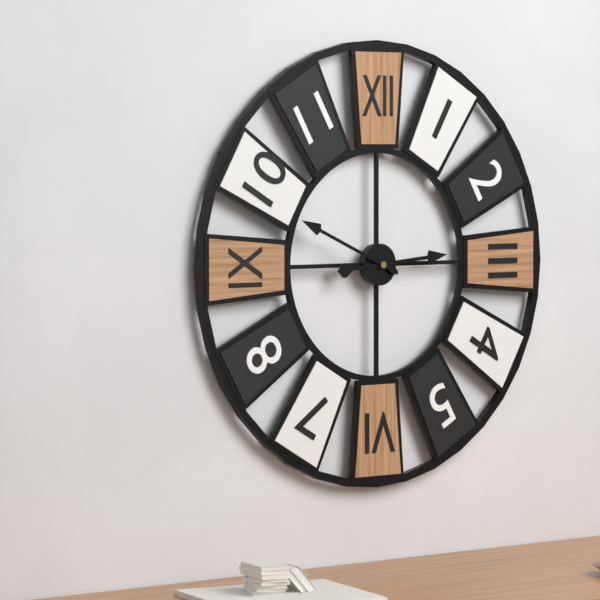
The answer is 2:49
